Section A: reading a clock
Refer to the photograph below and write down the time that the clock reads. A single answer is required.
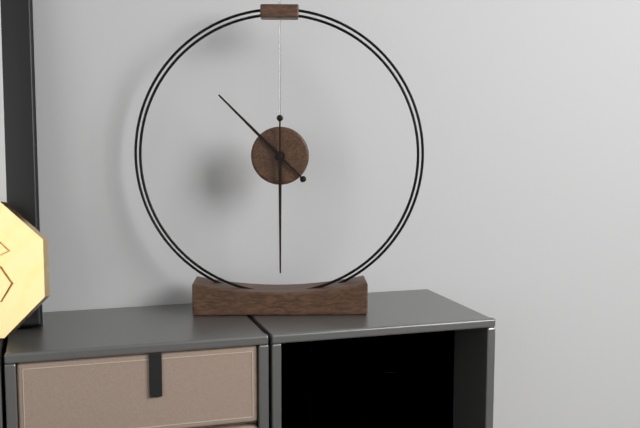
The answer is 10:30
